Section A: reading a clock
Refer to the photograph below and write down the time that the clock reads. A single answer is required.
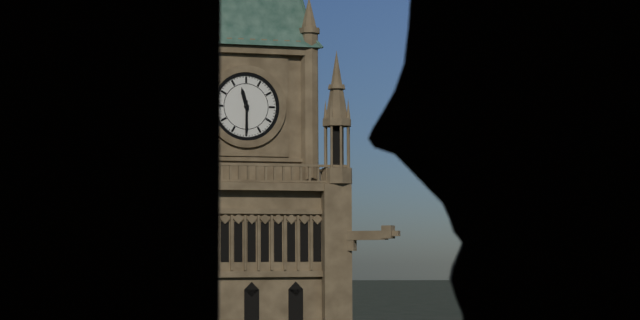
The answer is 11:30
